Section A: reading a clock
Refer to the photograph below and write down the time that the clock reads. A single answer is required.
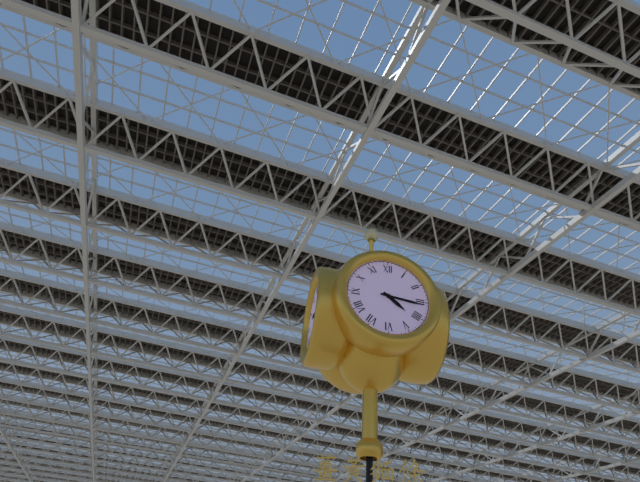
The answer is 4:16
